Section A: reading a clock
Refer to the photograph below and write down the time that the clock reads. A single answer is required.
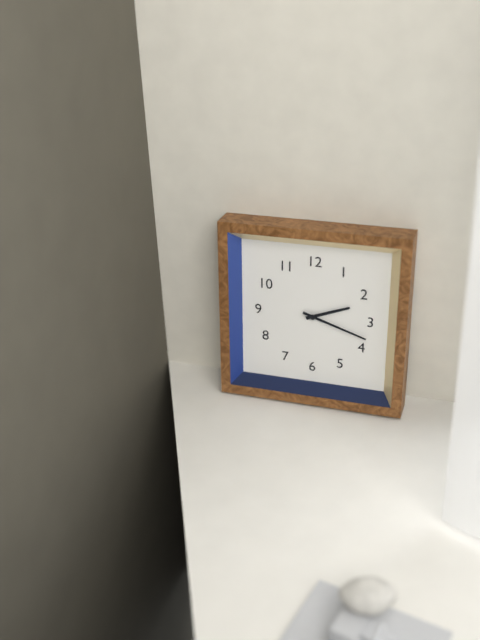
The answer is 2:18
